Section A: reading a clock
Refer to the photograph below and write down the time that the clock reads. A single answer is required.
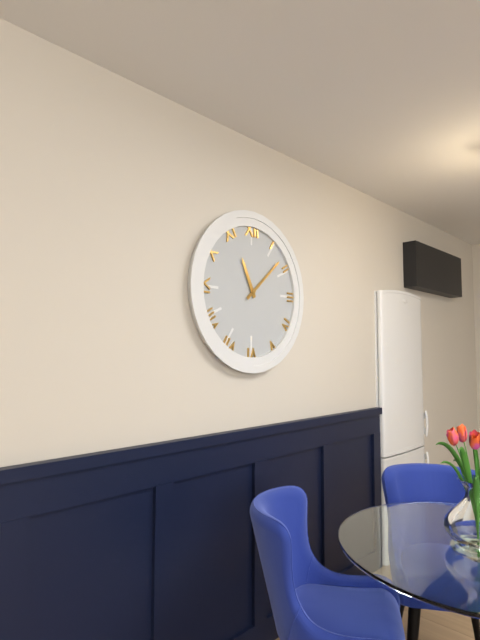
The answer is 11:08
